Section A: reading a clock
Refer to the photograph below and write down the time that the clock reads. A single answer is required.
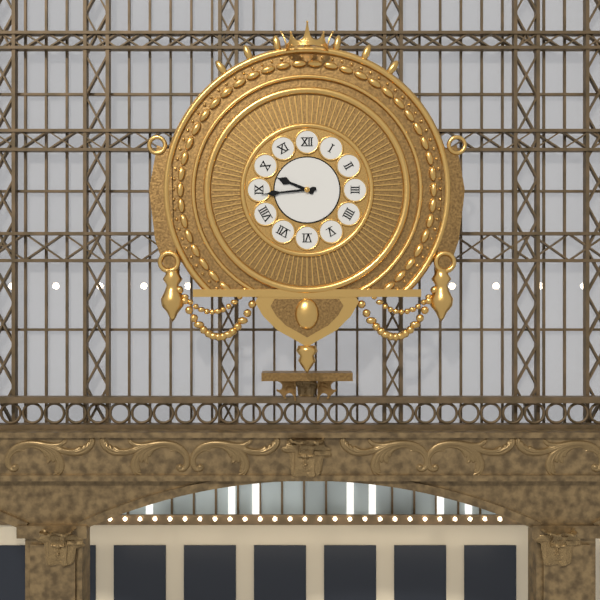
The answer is 9:44
